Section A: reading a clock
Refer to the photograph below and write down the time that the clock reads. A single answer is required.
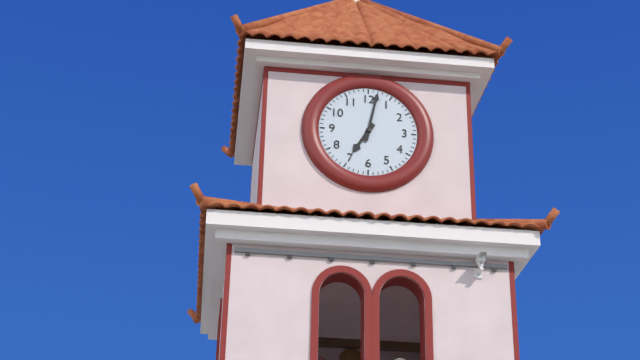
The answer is 7:02
